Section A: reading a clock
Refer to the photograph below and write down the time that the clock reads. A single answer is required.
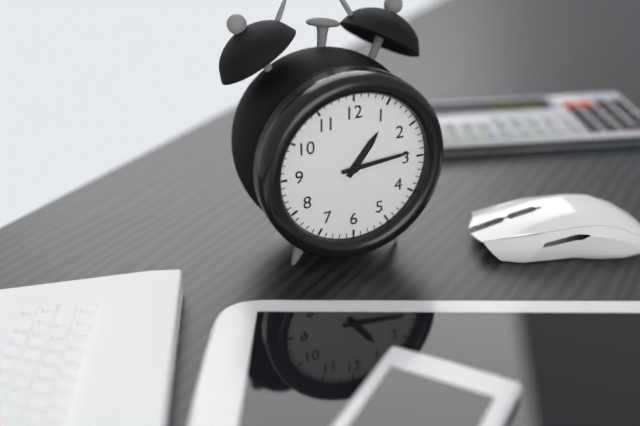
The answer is 1:14
